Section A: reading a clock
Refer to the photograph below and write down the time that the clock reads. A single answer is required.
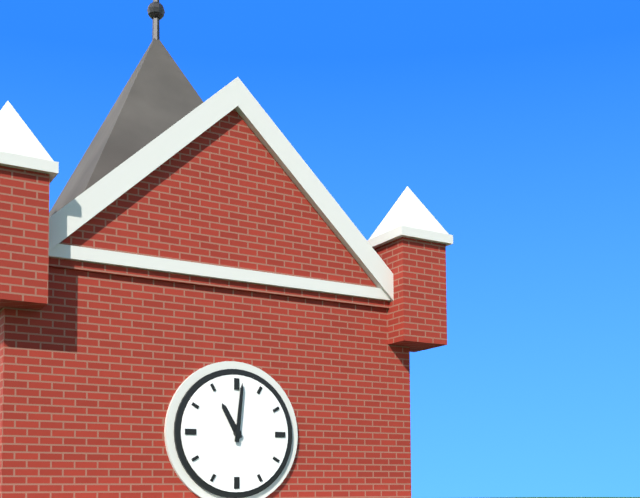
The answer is 11:01
